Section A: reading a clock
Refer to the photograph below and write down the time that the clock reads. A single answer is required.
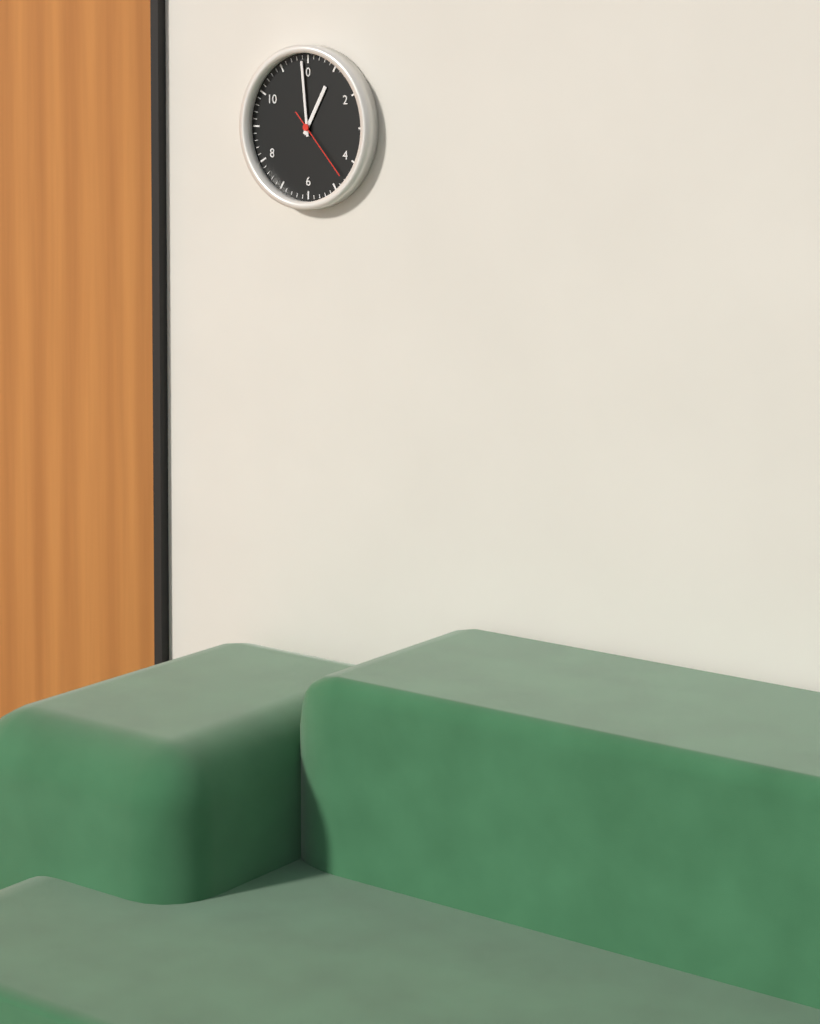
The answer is 12:59:23
